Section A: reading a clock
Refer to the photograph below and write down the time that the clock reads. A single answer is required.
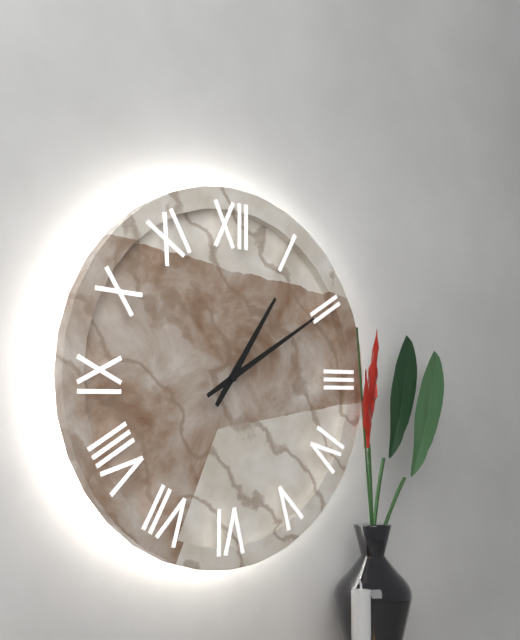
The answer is 1:10
